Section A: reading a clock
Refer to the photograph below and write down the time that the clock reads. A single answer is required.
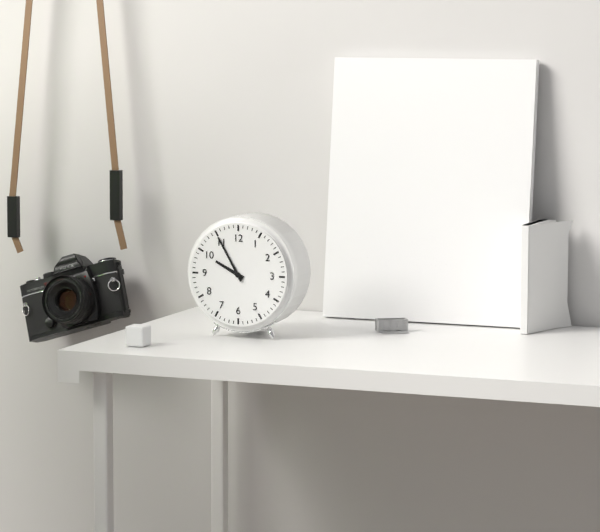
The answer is 9:55
